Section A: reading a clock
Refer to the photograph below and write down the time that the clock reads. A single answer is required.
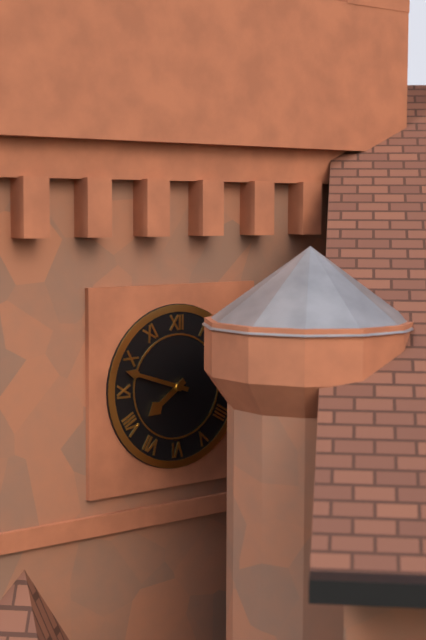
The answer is 7:48
